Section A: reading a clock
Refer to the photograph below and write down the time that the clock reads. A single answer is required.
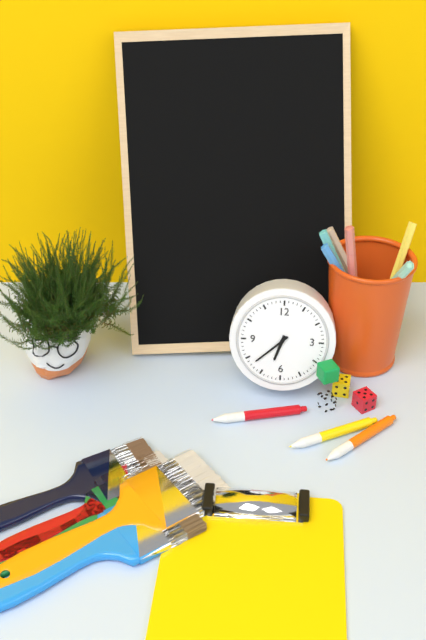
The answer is 6:38
